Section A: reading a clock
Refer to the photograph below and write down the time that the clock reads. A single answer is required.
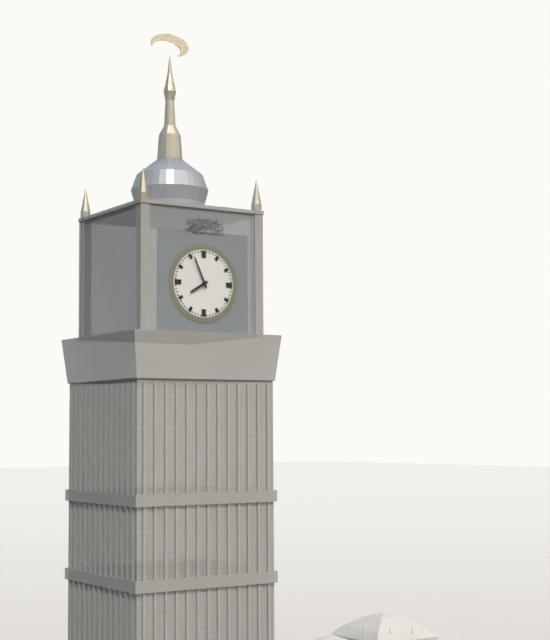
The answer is 7:56
